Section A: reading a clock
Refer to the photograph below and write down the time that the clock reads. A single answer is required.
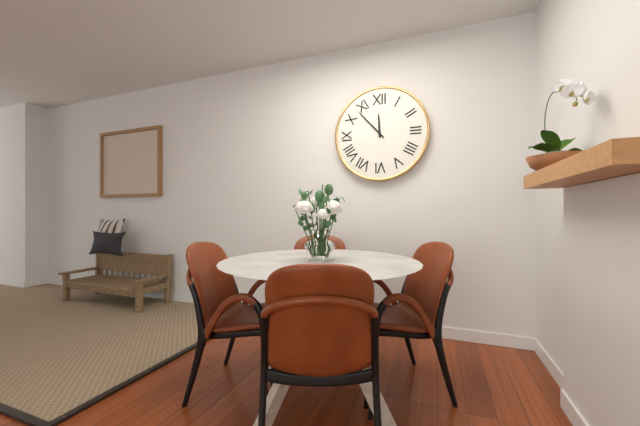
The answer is 11:53
